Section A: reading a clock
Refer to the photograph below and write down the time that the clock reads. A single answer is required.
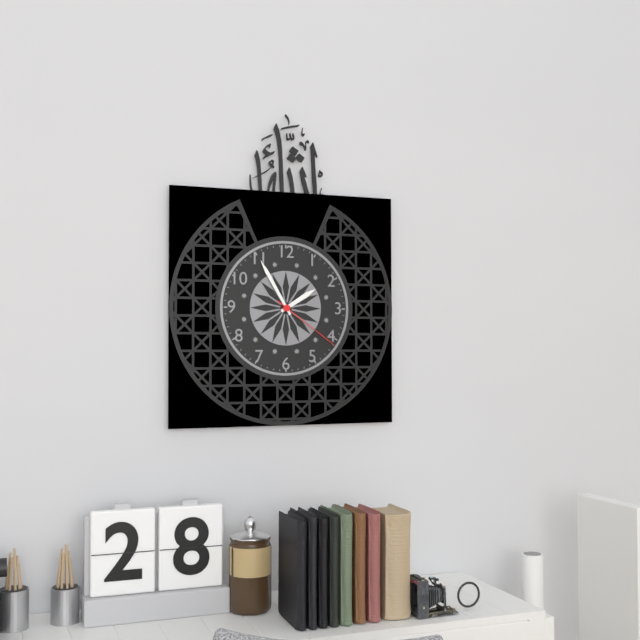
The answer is 1:55:21
